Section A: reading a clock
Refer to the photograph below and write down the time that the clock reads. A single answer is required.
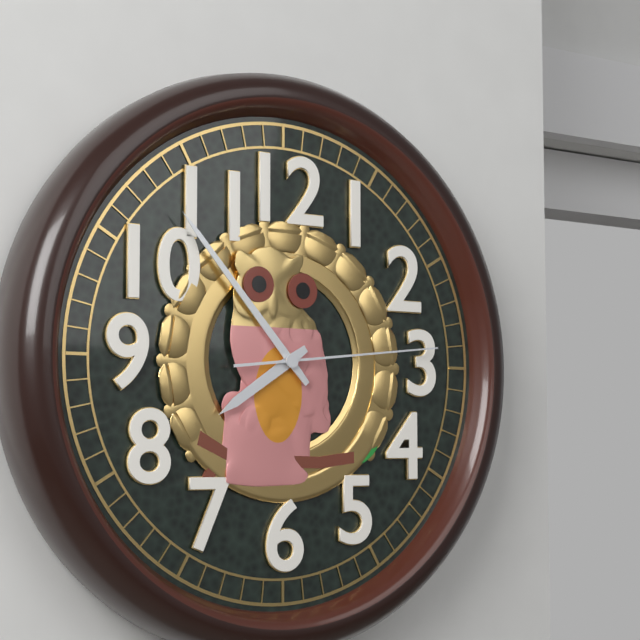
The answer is 7:53:14
